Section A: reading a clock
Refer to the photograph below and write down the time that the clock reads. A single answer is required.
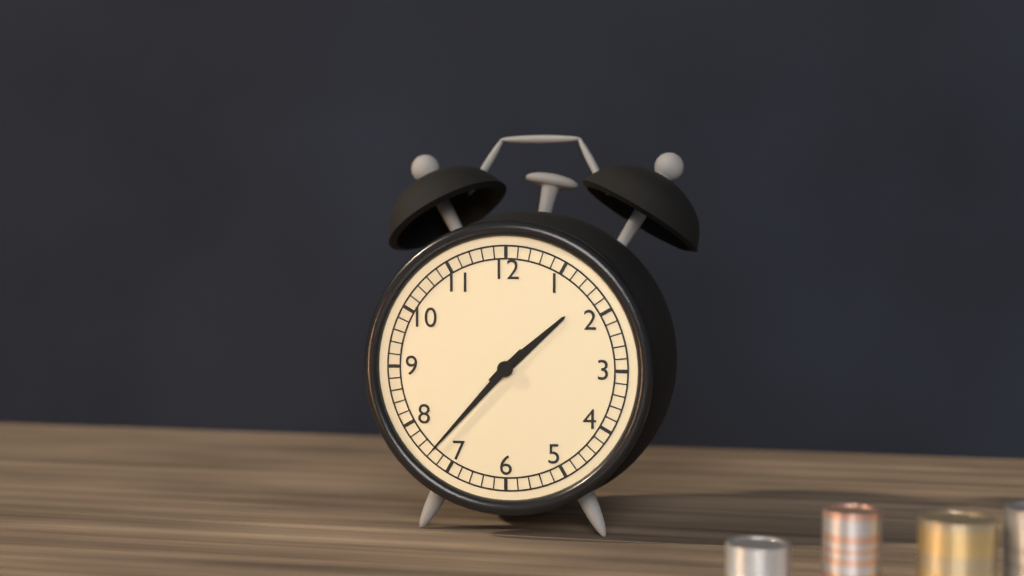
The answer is 1:37
